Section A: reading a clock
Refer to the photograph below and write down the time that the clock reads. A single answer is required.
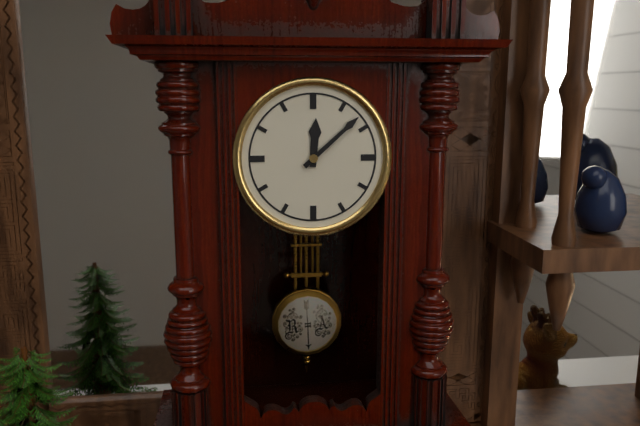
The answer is 12:08
